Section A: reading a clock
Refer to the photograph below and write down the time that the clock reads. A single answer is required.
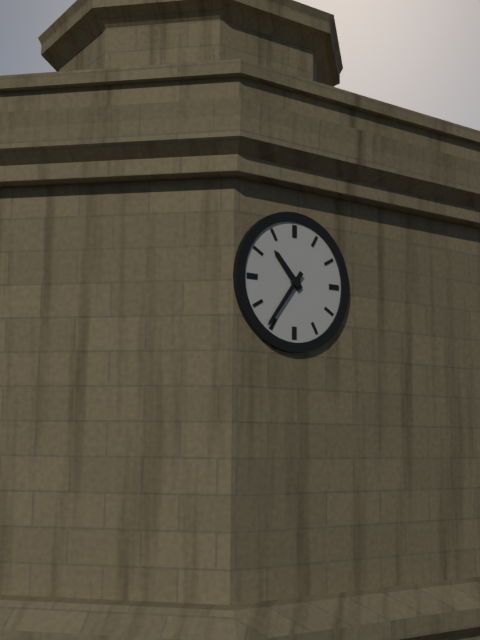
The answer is 10:36
